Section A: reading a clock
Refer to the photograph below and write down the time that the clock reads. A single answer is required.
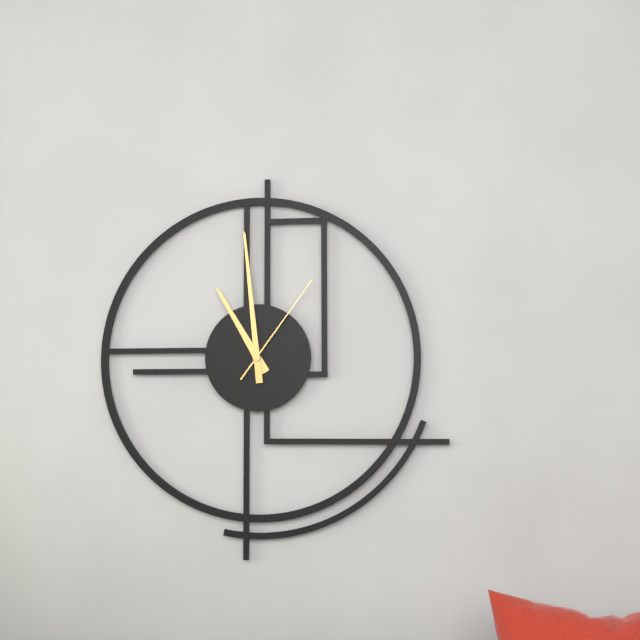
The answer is 10:59:06
